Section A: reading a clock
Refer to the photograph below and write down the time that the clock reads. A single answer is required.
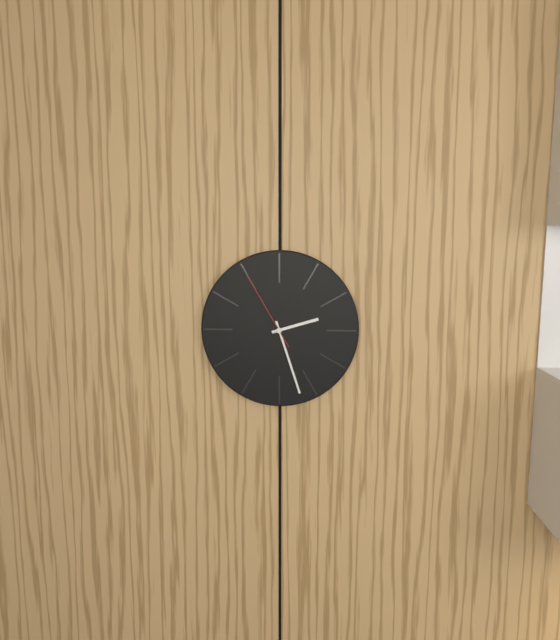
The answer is 2:27:55
